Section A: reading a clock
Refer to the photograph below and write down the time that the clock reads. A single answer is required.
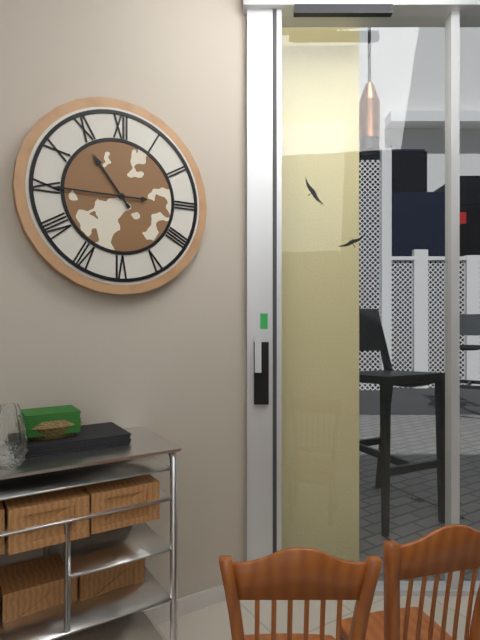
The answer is 10:45
